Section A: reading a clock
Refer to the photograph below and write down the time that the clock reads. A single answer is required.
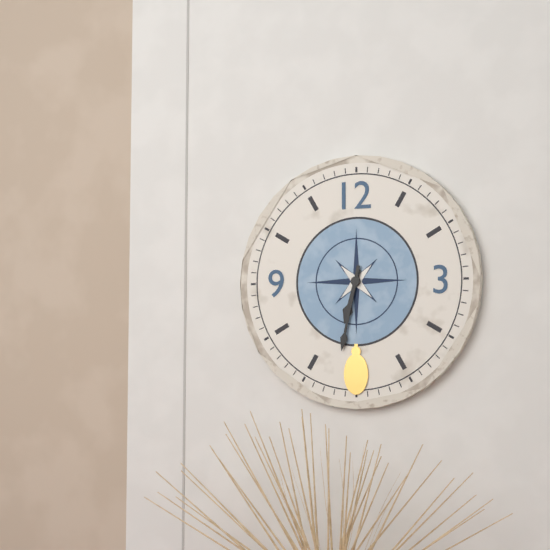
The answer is 6:32
